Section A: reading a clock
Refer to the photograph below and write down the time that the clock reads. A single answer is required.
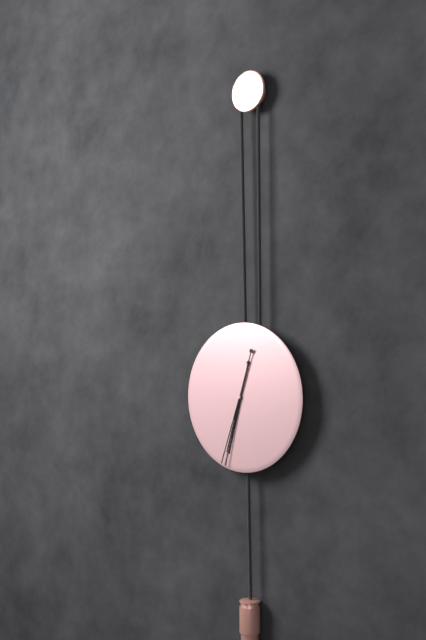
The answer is 6:33
